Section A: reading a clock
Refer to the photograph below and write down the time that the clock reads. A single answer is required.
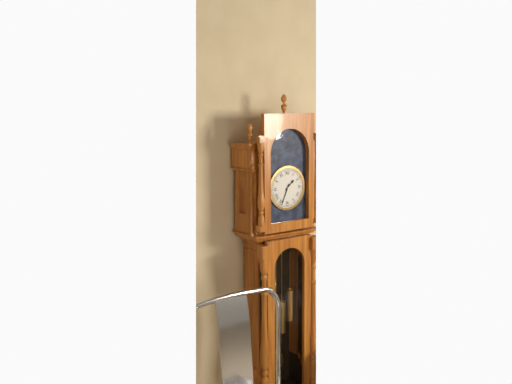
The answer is 1:34
